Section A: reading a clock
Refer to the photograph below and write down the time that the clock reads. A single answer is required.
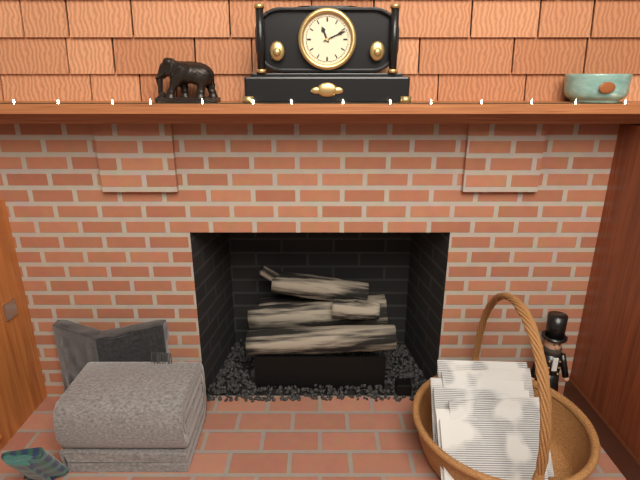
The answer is 11:11
